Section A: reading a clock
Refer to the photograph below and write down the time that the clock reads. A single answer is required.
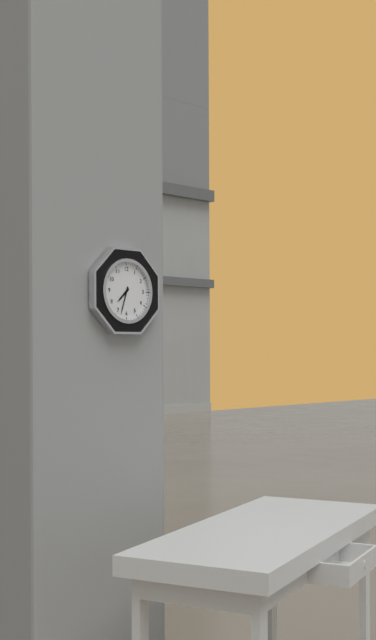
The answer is 7:33
